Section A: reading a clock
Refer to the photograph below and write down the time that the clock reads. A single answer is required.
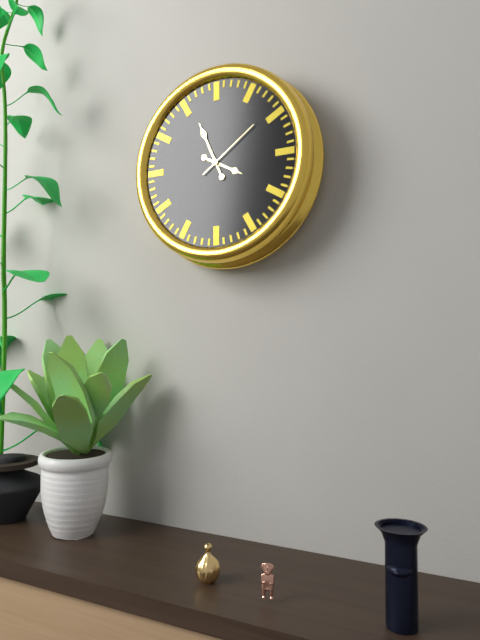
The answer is 3:56:09
